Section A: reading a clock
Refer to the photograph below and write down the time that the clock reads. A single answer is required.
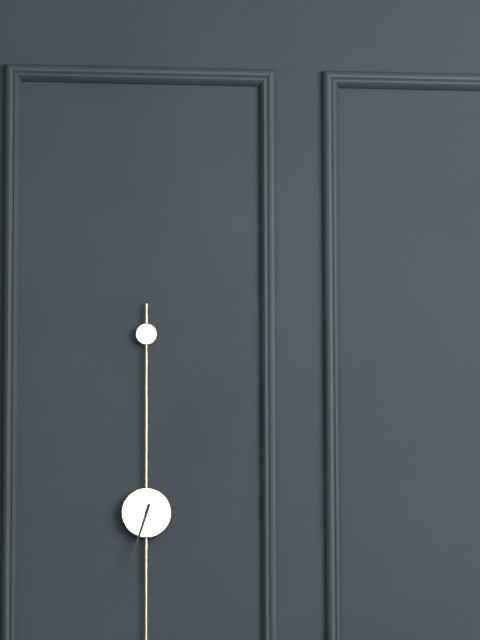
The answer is 6:33
